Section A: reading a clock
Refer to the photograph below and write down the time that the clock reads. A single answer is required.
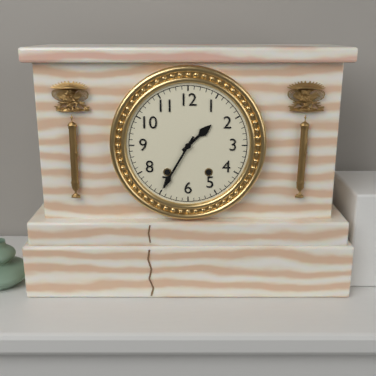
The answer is 1:35
